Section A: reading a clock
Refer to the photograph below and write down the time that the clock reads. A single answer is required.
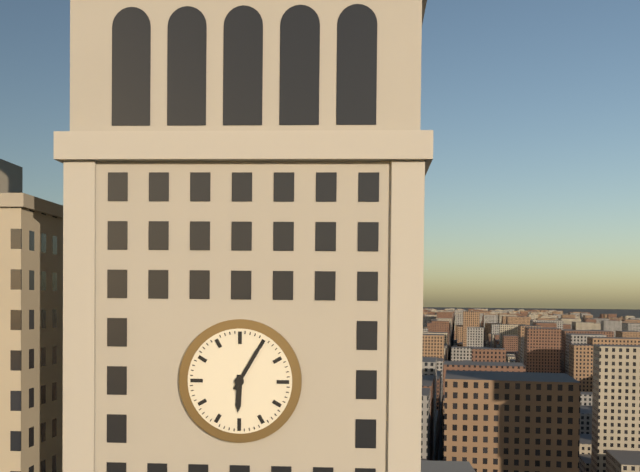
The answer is 6:05
